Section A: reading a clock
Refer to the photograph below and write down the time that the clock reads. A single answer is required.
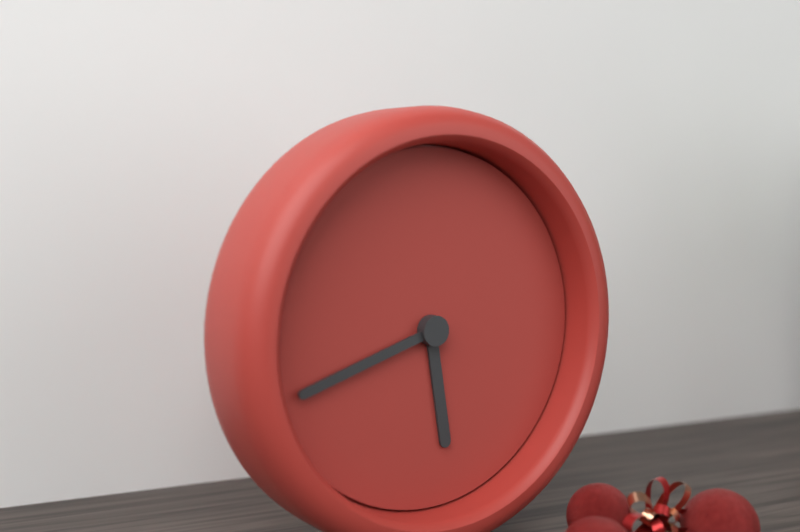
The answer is 5:42
